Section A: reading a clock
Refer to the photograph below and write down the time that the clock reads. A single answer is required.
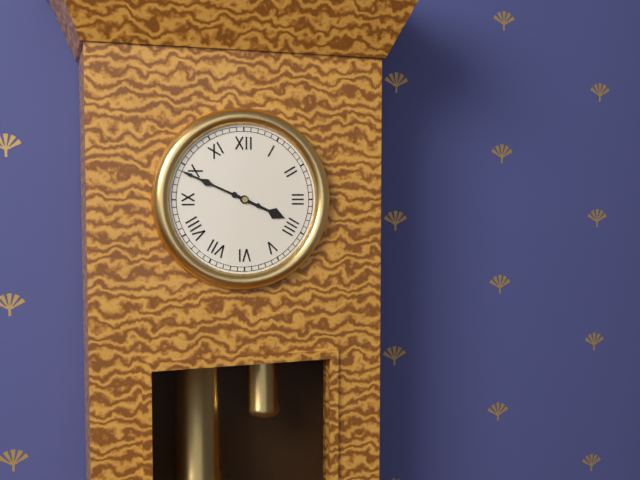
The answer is 3:49
